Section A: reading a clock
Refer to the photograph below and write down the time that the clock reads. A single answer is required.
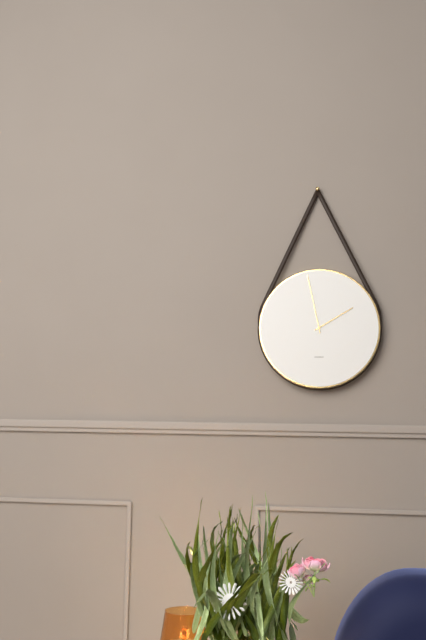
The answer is 1:58
